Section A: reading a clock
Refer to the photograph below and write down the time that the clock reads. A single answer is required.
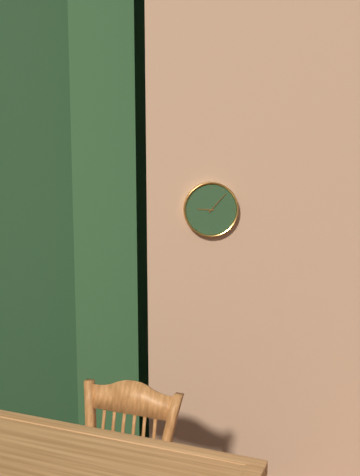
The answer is 9:07
